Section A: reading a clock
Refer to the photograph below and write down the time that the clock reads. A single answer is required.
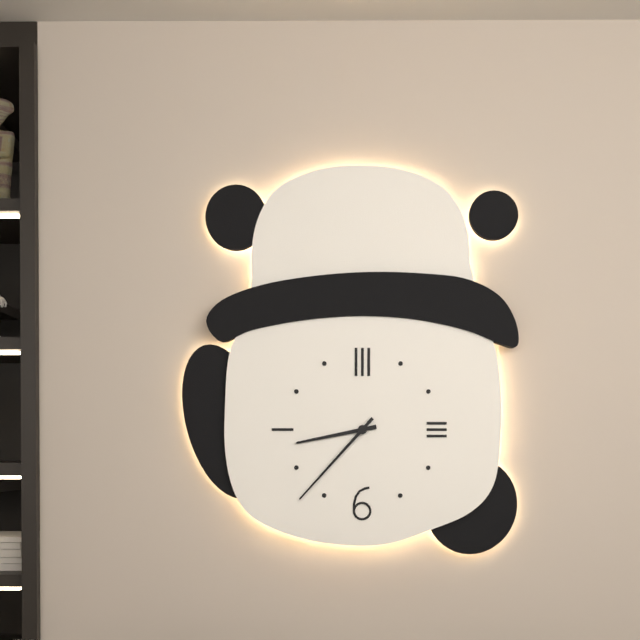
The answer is 8:37
